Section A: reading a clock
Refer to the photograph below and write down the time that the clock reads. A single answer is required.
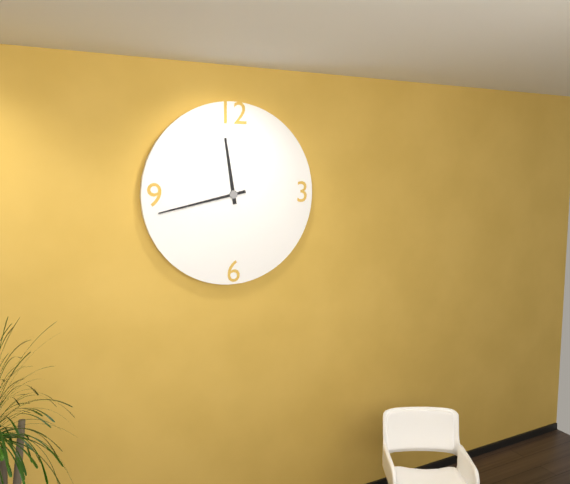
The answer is 11:43
